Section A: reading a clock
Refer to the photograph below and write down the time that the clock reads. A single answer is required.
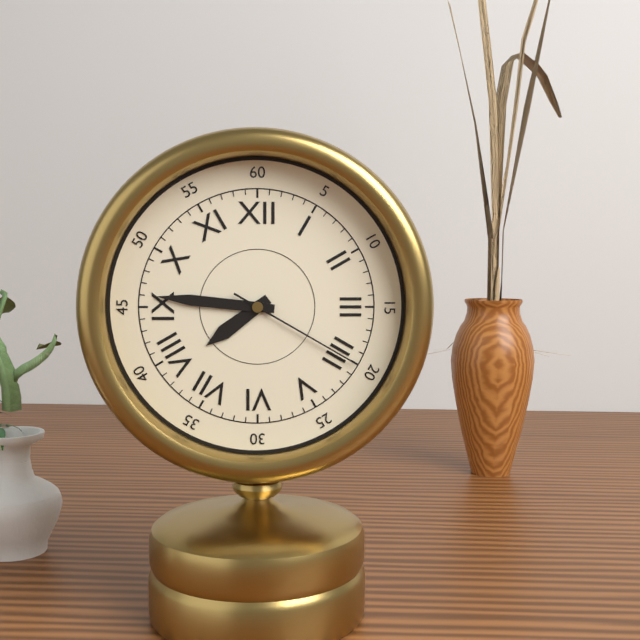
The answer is 7:46:20
